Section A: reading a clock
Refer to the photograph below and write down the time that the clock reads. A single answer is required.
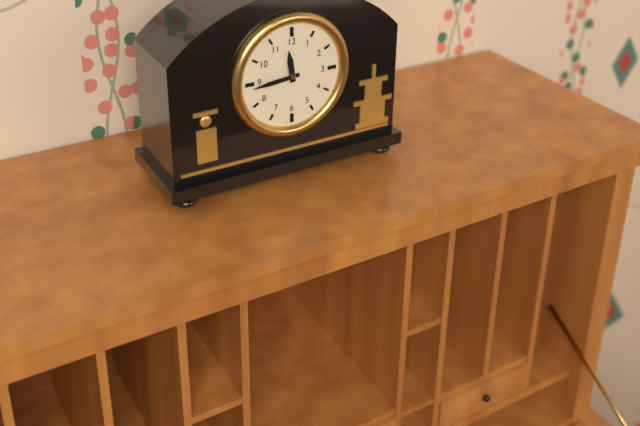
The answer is 11:44
